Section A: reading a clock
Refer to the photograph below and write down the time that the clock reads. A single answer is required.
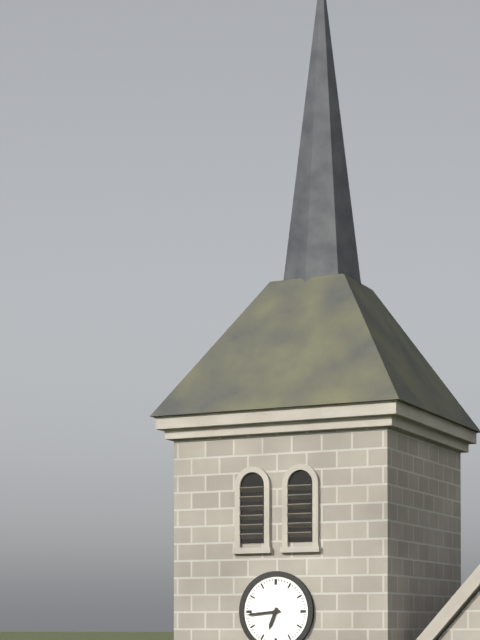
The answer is 6:44
